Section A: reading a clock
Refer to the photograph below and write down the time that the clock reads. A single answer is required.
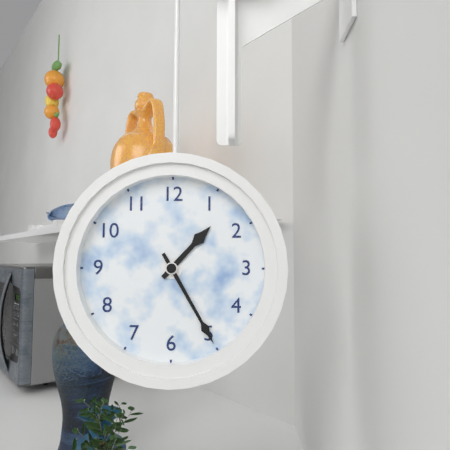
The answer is 1:25
